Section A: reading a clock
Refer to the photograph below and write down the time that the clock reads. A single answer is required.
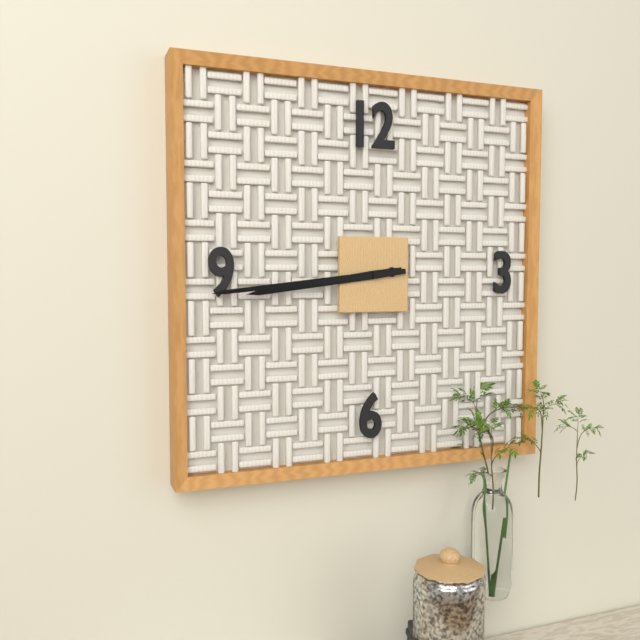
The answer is 8:44
